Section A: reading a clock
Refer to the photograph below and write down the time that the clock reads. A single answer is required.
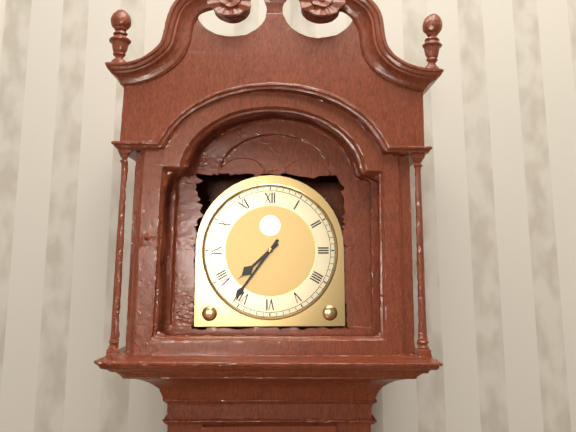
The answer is 7:36
